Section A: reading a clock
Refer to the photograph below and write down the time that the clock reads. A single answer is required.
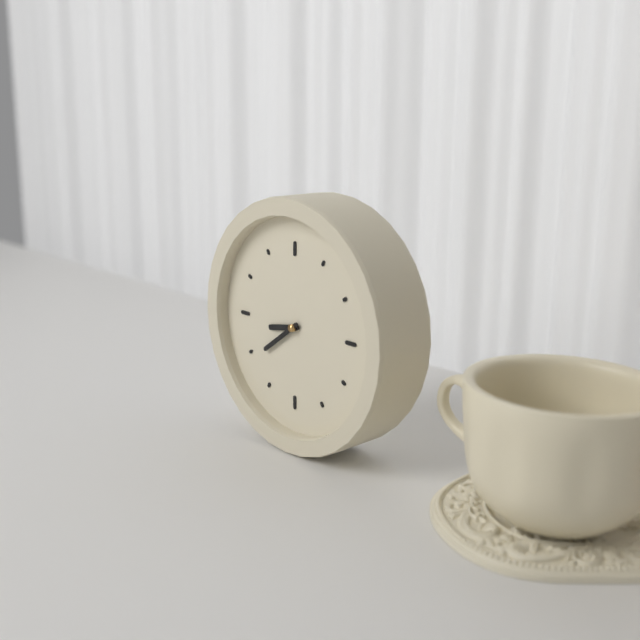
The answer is 8:39
